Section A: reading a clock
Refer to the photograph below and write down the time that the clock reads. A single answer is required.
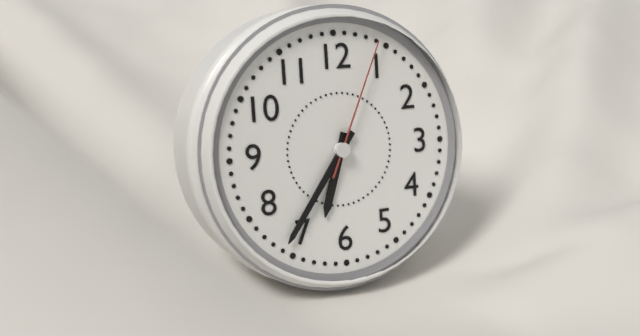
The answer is 6:36:04
